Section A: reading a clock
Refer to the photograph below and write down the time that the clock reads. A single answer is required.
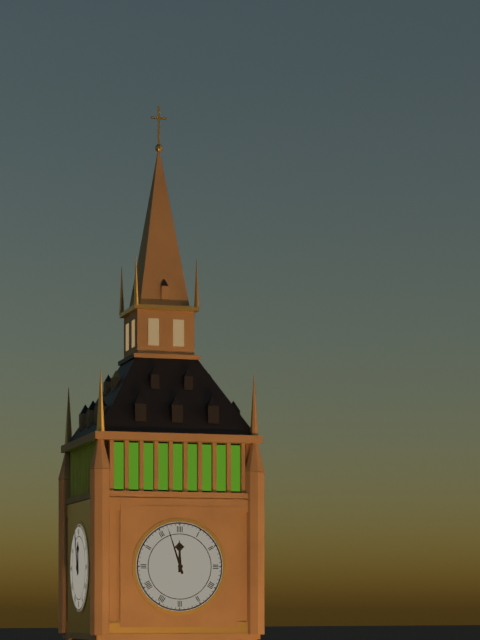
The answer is 11:57
